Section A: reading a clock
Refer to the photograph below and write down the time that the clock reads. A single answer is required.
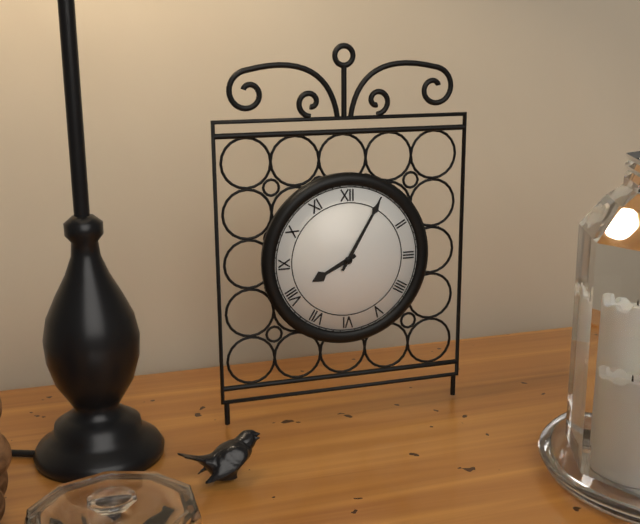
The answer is 8:05
